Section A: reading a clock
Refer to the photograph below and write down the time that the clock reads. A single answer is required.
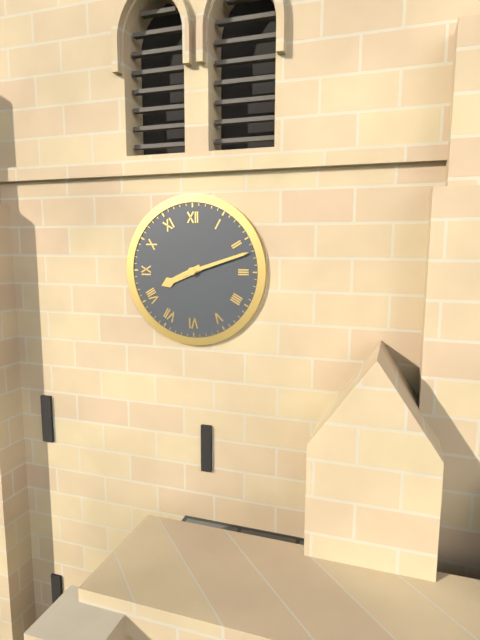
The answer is 8:12
